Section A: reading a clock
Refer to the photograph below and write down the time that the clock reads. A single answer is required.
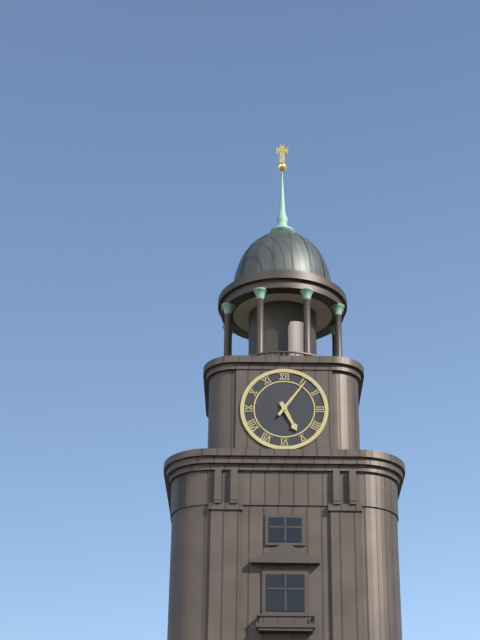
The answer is 5:06
